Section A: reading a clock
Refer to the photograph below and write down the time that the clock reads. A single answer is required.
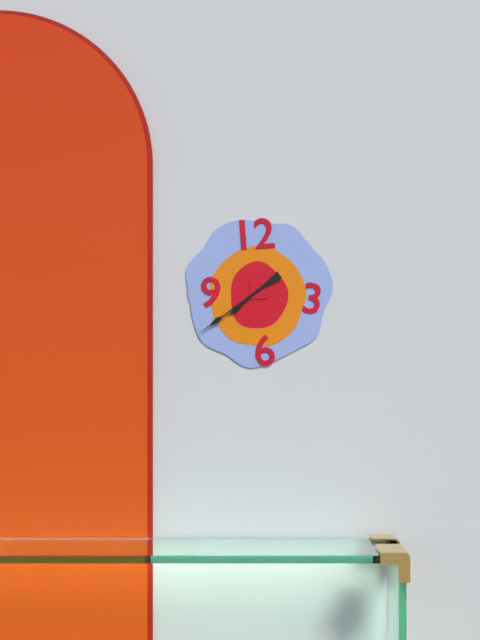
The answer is 7:39
